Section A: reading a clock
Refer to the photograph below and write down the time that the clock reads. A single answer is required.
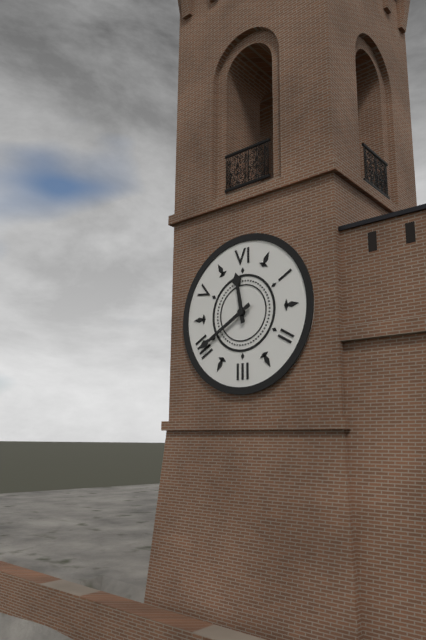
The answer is 11:40
